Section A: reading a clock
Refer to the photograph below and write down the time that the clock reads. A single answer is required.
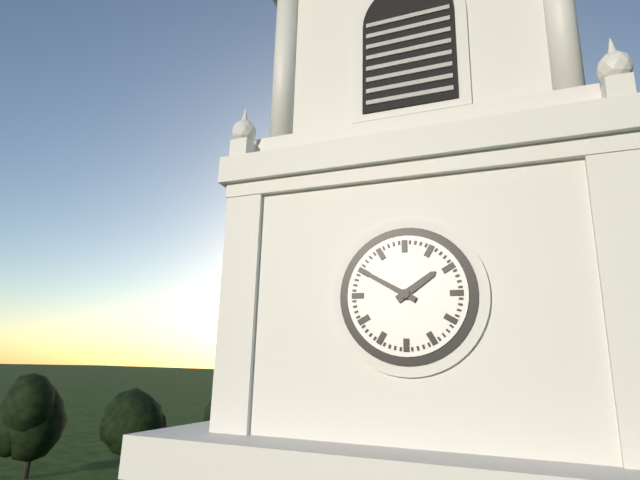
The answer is 1:50
